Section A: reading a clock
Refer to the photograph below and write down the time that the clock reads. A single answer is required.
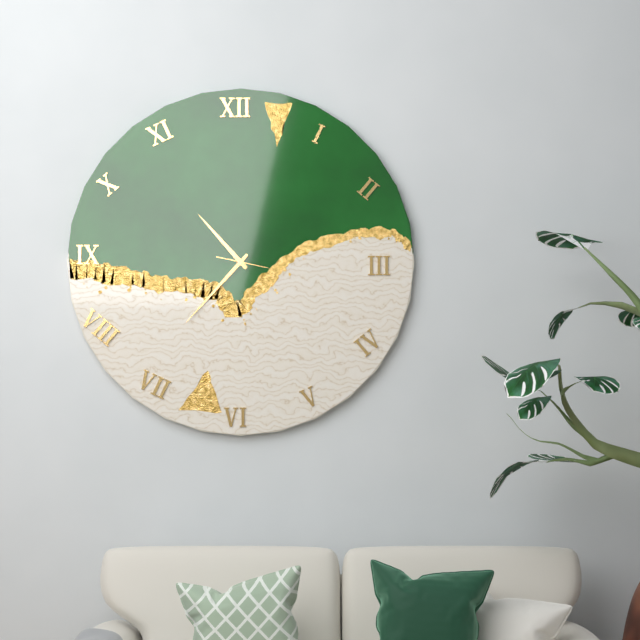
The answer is 10:37
